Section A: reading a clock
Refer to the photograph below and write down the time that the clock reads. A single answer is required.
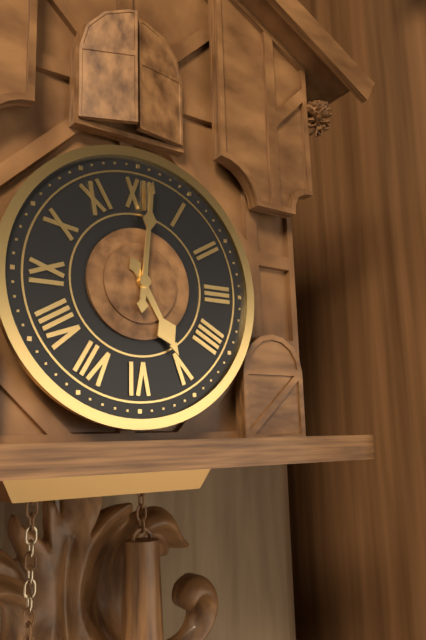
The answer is 5:01
